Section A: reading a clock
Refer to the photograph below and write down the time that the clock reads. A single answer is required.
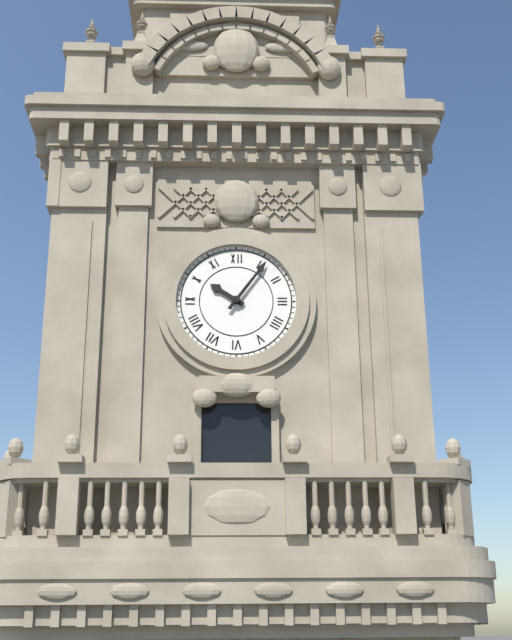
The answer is 10:06
